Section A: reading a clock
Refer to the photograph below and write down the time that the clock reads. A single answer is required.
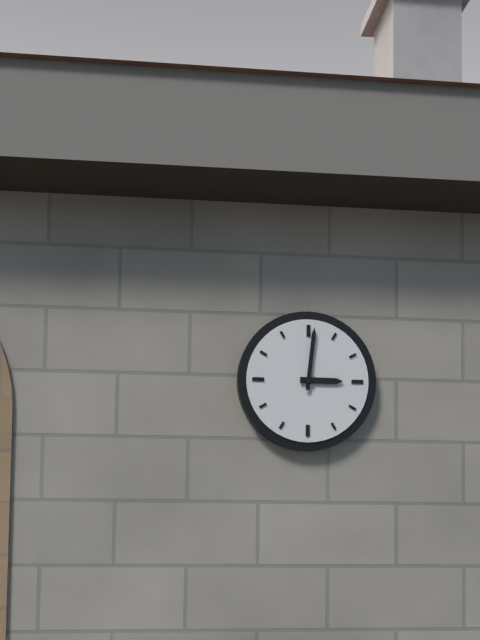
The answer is 3:01
